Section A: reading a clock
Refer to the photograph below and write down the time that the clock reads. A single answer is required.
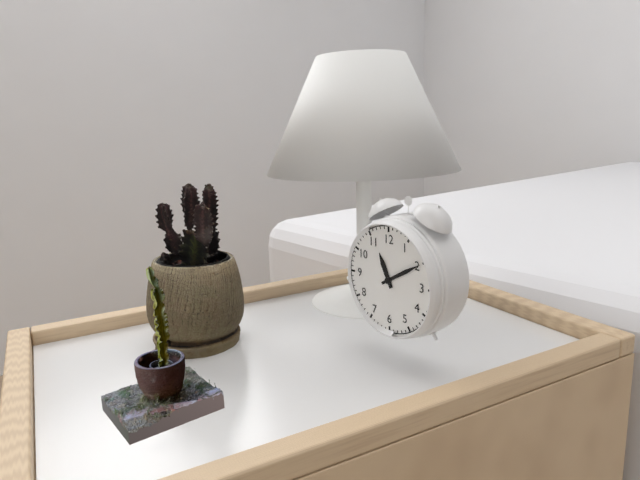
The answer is 11:10
